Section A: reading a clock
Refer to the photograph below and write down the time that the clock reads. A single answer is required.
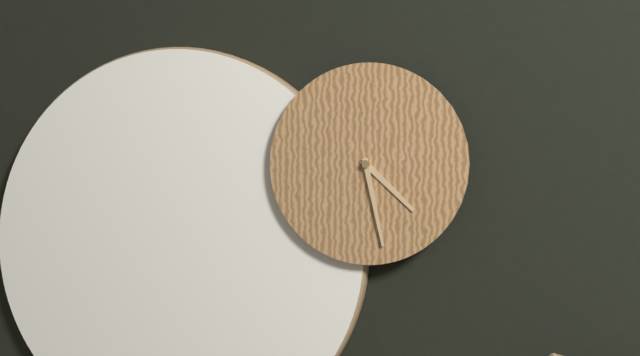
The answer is 4:28
